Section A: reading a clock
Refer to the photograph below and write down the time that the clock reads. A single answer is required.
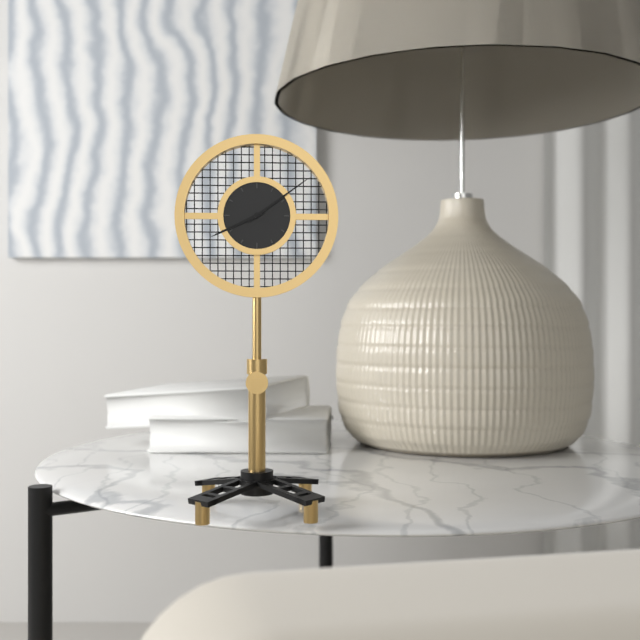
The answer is 8:09
